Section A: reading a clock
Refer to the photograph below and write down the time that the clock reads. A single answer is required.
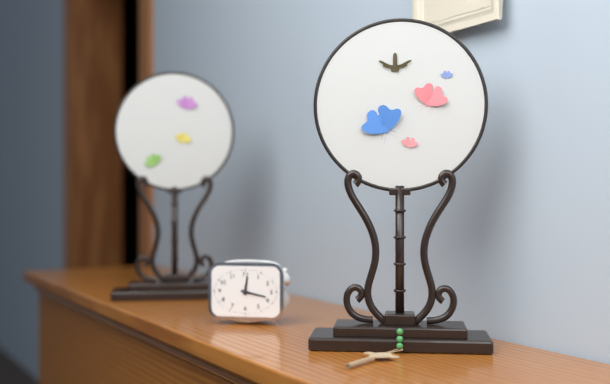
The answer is 12:17
